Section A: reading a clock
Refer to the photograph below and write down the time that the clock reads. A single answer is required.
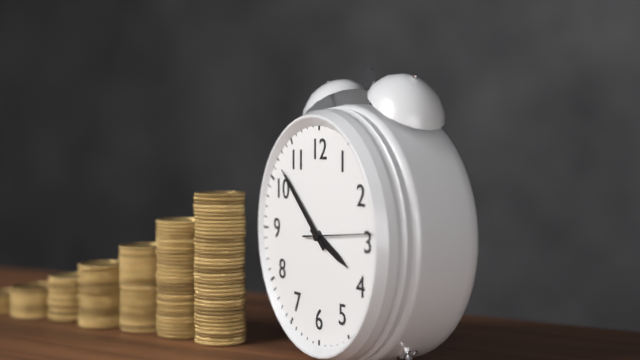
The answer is 3:52:14
